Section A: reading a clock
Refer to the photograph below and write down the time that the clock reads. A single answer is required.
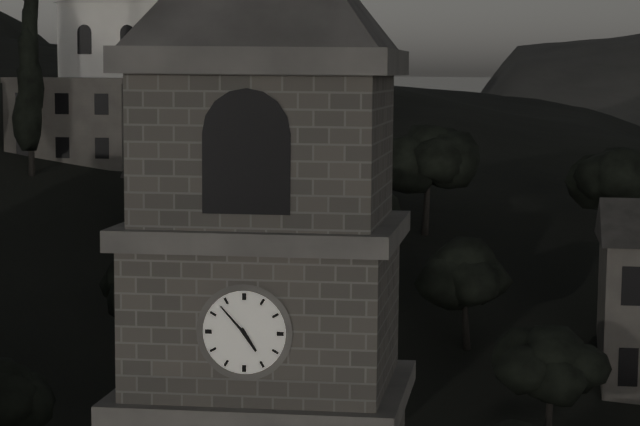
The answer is 4:53
